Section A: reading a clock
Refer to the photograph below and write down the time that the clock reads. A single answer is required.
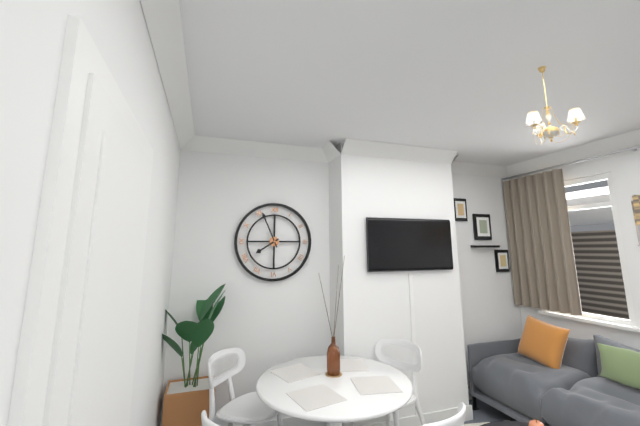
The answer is 7:56
